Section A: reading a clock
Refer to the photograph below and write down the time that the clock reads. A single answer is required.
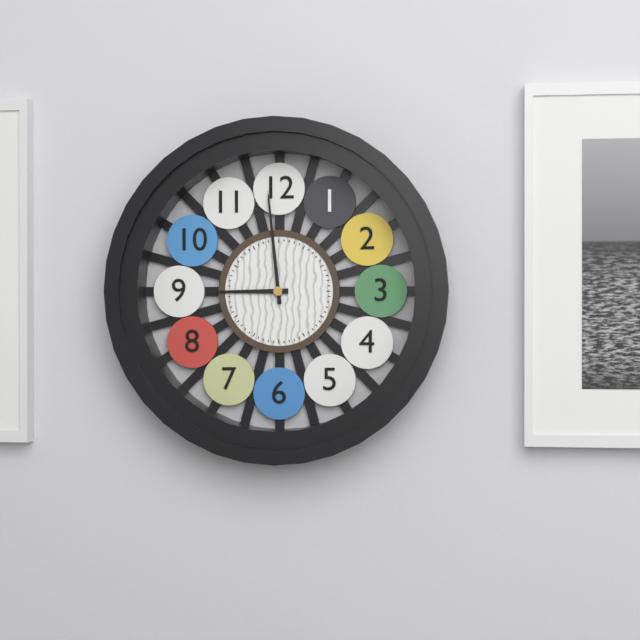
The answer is 8:59
